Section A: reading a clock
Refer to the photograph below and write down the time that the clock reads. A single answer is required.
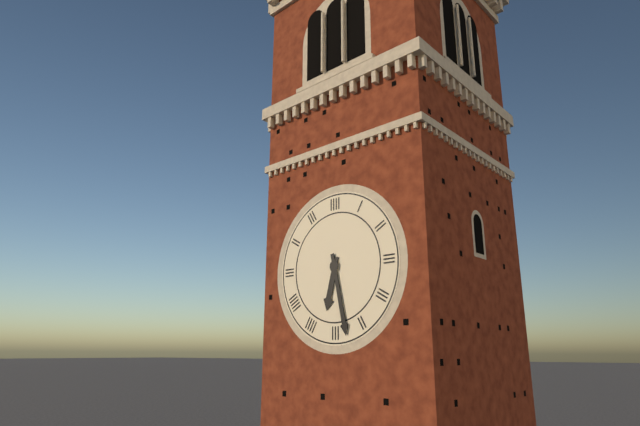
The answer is 6:28
